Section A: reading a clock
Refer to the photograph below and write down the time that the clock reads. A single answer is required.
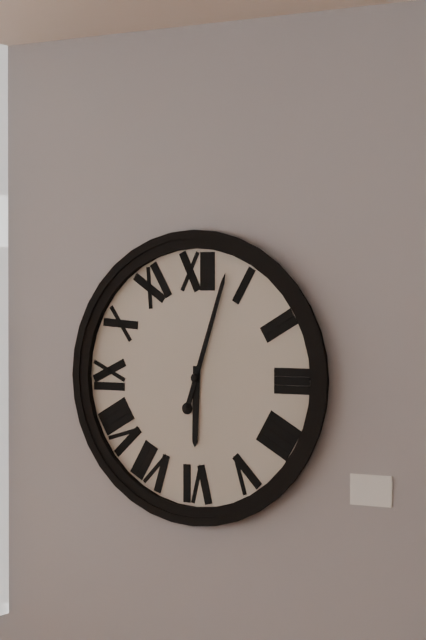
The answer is 6:03
